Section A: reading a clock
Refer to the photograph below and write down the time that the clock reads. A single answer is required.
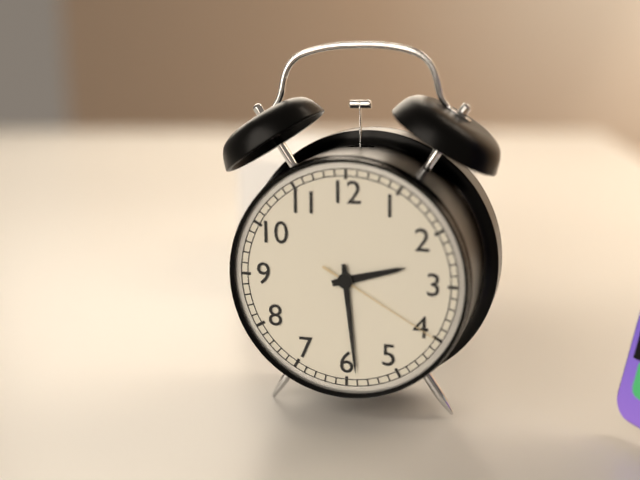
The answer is 2:29:20
